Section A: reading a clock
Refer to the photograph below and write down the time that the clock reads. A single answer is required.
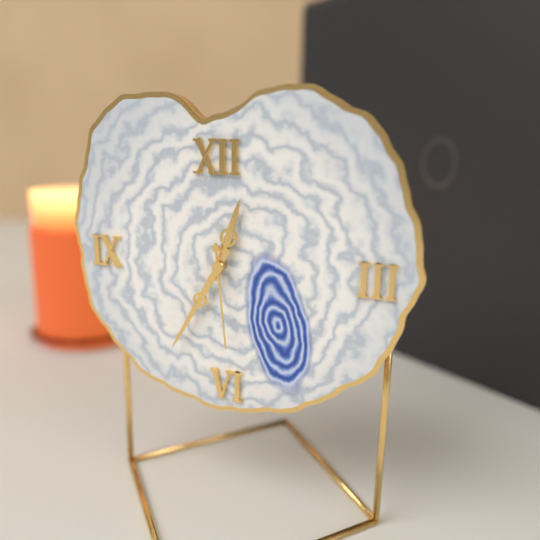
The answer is 12:35:29
